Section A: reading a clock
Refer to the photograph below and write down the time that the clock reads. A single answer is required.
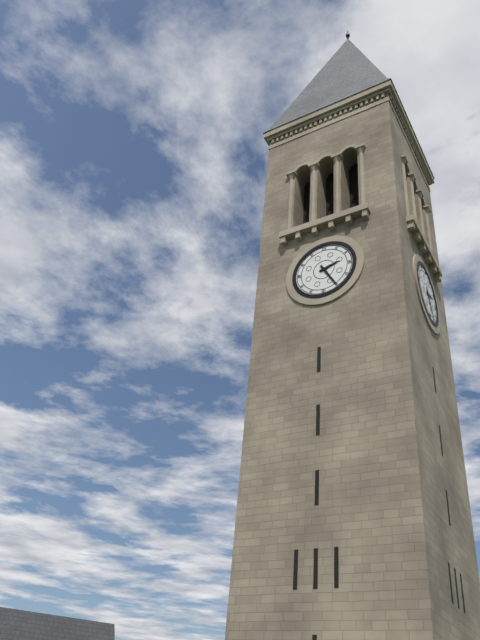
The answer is 2:25
